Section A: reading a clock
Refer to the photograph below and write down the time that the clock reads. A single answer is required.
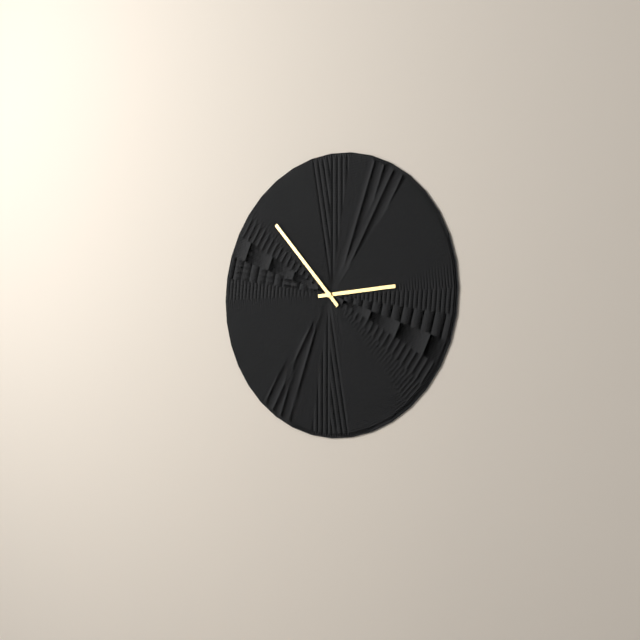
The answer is 2:53
